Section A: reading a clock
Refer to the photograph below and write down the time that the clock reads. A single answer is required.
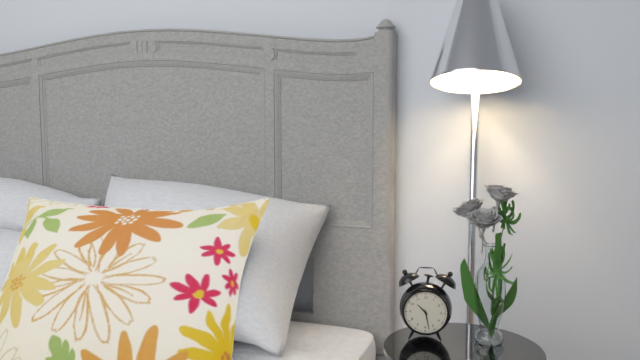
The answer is 10:28
